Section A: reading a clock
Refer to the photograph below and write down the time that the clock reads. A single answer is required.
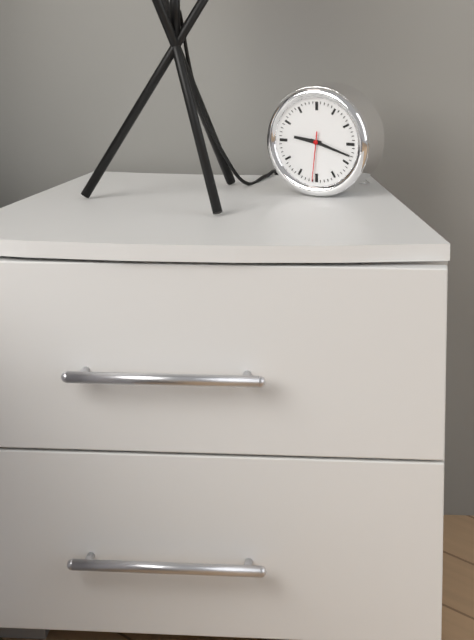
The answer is 9:18:31
